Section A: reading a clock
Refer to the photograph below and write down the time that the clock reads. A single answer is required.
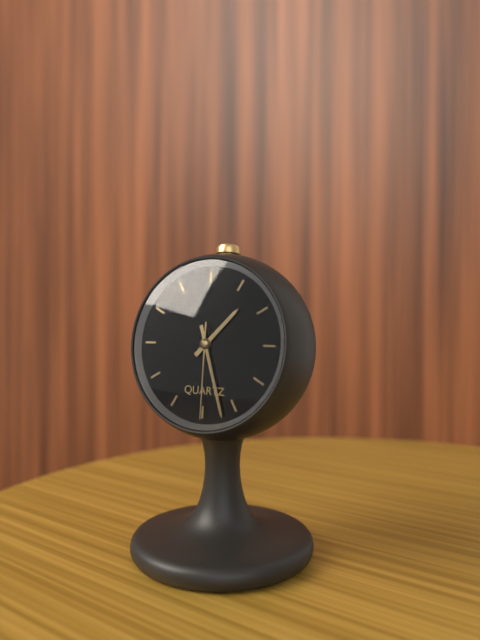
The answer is 1:27:30
